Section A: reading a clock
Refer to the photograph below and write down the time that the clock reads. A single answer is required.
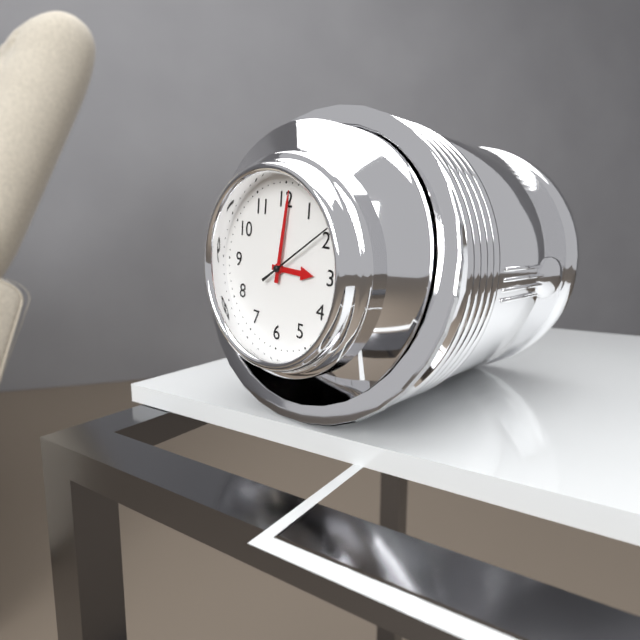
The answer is 3:01:09
